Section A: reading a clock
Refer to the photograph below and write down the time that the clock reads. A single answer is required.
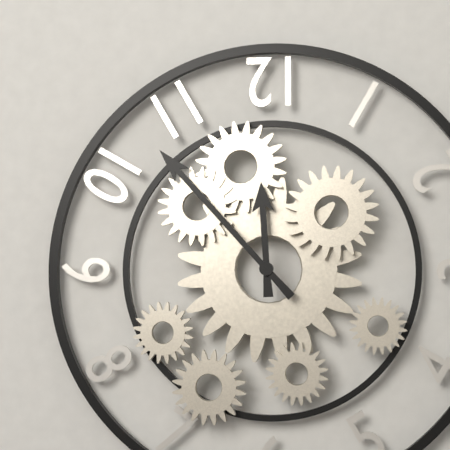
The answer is 11:53
